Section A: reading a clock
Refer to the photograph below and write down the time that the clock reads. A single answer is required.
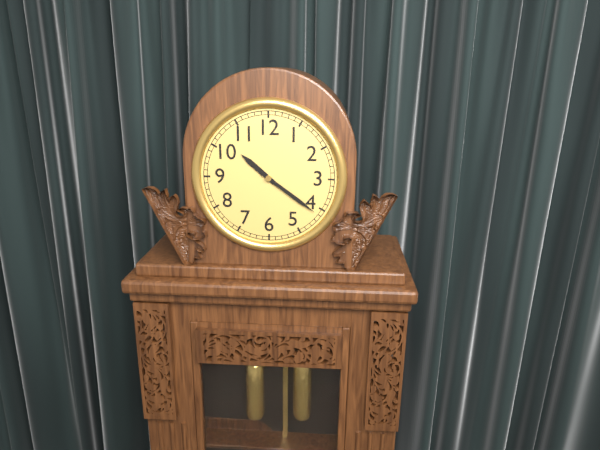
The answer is 10:21
